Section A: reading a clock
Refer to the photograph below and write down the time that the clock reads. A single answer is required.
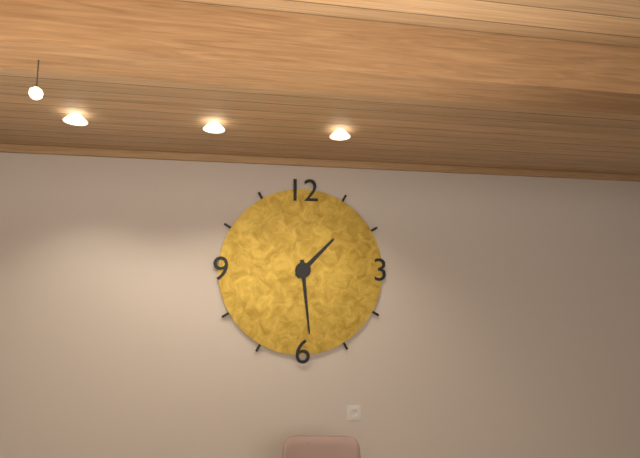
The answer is 1:29
